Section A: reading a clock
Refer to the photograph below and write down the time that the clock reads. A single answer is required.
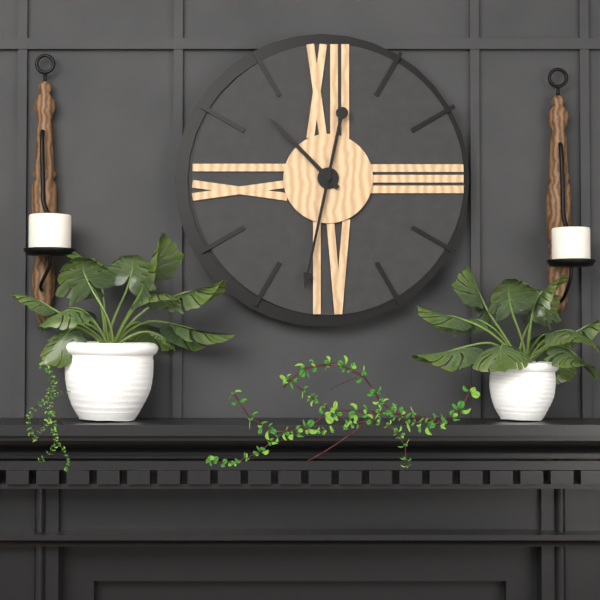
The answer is 10:32
